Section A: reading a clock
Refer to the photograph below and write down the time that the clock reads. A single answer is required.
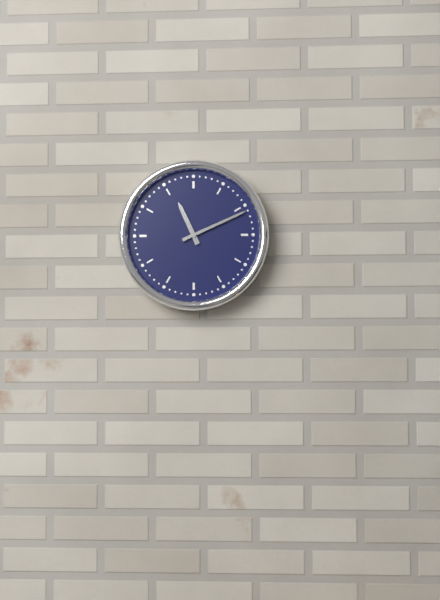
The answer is 11:11
